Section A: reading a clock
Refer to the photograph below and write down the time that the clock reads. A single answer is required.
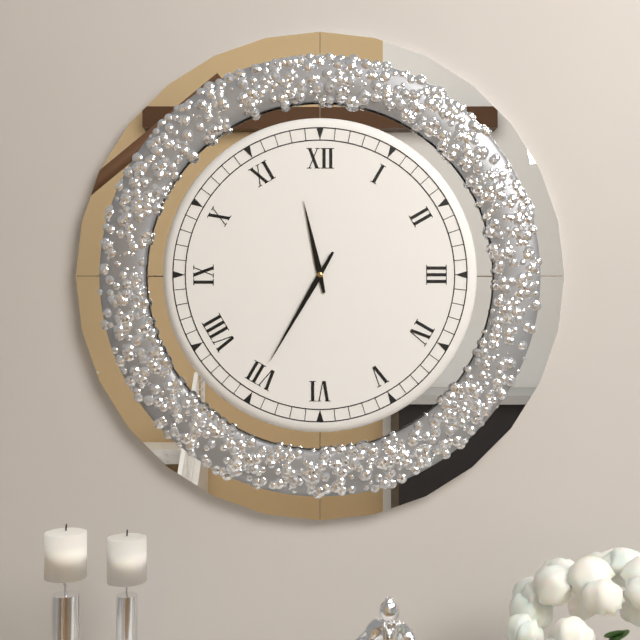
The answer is 11:35
